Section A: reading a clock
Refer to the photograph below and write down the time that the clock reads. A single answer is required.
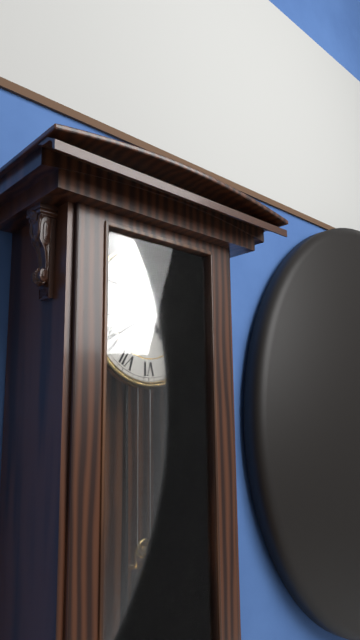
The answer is 4:40
